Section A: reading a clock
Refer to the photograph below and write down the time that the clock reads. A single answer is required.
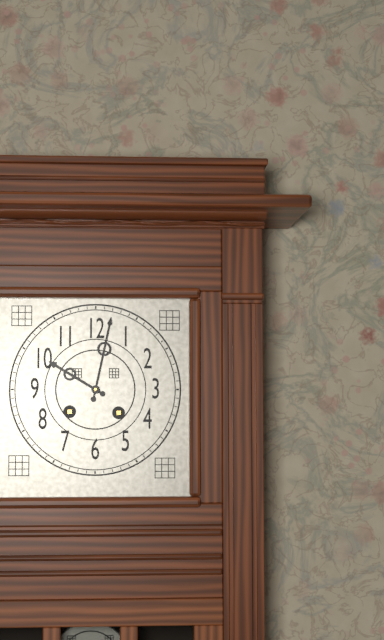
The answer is 10:02
